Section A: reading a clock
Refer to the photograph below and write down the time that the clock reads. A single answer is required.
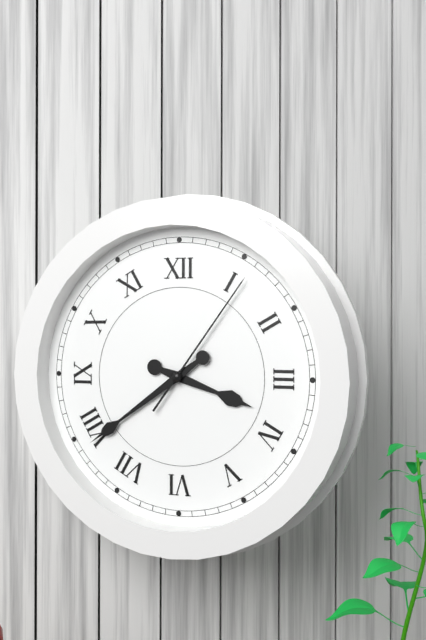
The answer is 3:39:06
